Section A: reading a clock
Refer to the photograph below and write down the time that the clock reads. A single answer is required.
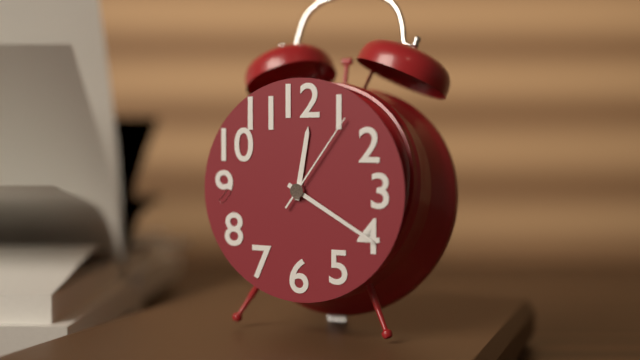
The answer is 12:20:06
